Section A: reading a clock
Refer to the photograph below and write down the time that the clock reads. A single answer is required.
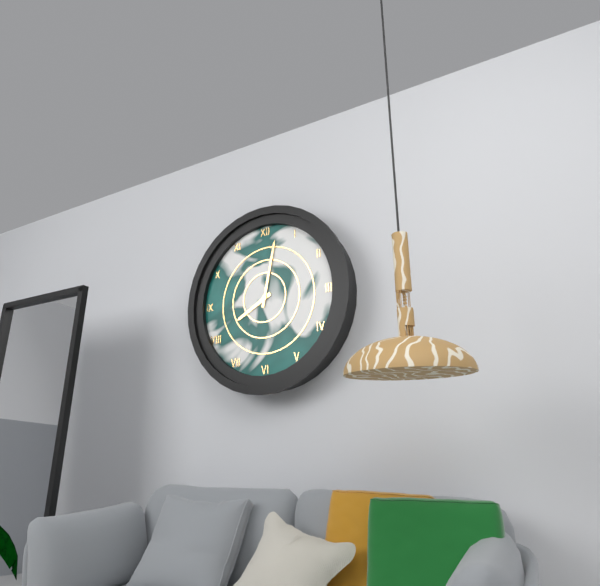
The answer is 8:02
